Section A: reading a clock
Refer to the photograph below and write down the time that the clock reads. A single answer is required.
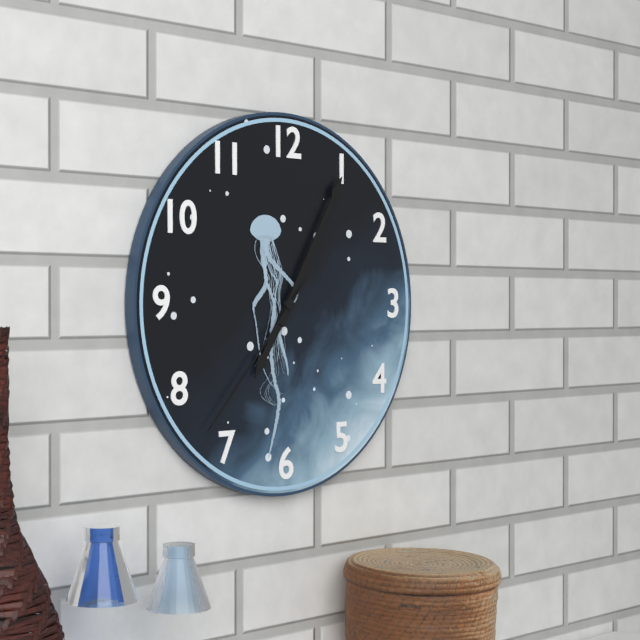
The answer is 7:05:37
